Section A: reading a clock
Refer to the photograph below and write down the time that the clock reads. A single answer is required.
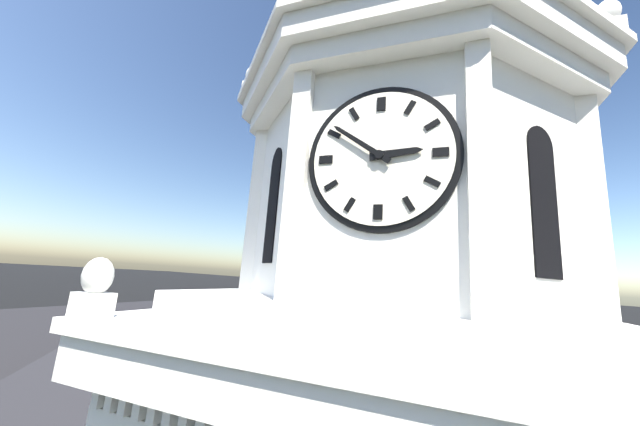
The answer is 2:51
